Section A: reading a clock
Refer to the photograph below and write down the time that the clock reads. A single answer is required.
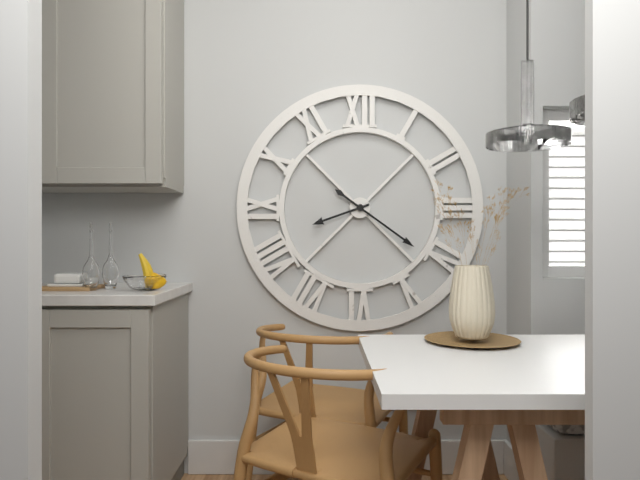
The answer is 8:21
